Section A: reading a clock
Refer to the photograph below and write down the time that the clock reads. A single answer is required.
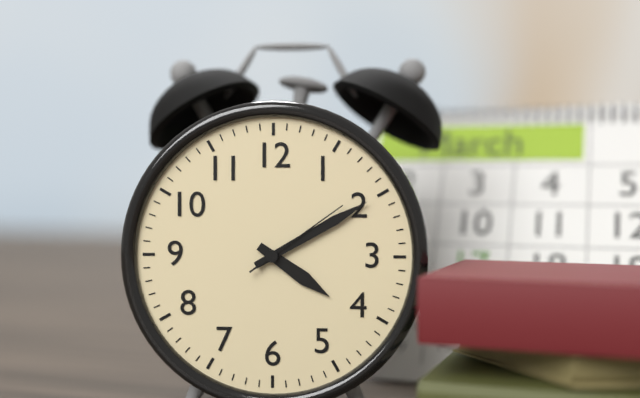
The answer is 4:10:09
